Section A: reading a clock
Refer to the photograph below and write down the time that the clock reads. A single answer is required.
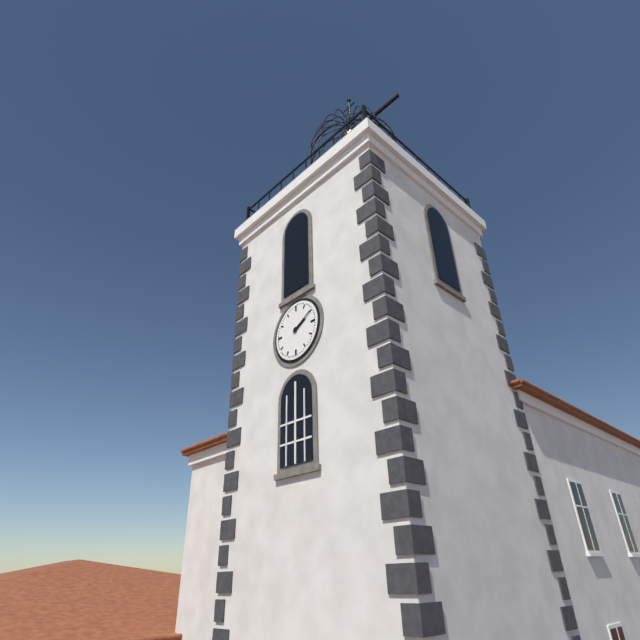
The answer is 2:10
